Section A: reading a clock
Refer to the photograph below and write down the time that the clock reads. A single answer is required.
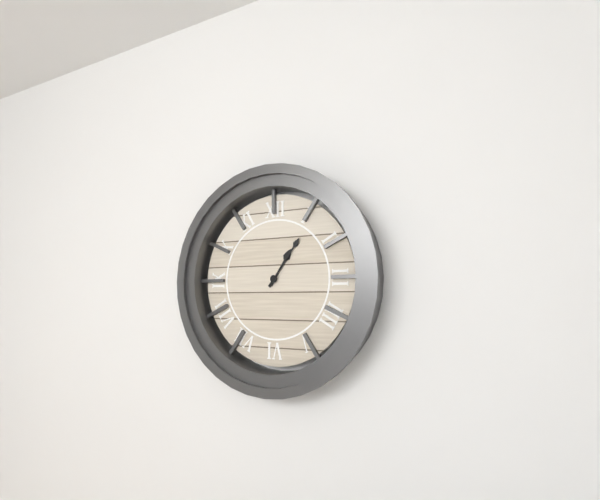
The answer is 1:06
